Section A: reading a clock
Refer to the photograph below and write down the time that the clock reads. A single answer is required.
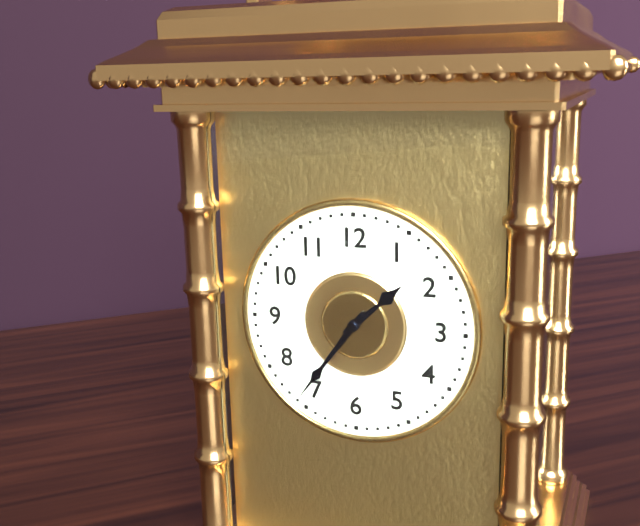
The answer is 1:36
